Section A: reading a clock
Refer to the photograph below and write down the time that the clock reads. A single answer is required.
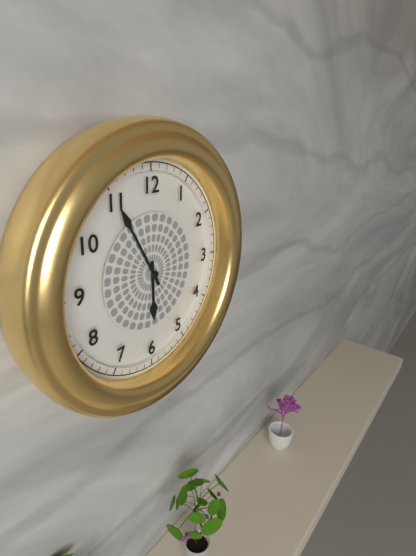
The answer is 5:55
